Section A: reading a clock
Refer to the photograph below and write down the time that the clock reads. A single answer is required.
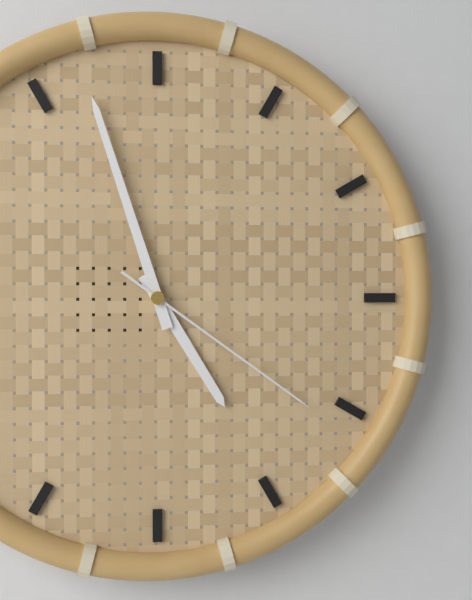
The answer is 4:57:21
